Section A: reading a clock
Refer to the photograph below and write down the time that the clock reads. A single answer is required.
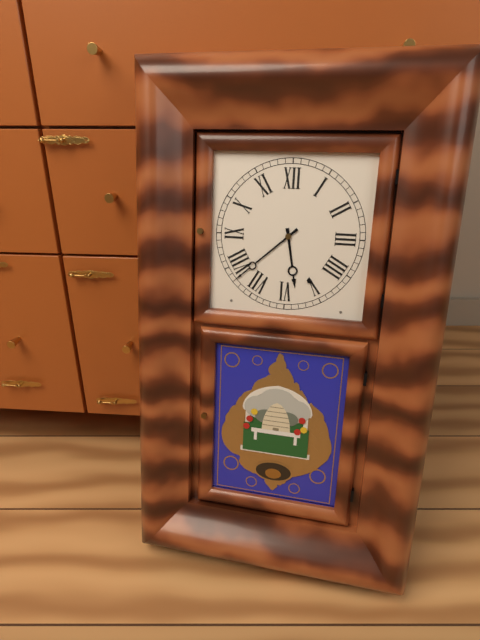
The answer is 5:38
